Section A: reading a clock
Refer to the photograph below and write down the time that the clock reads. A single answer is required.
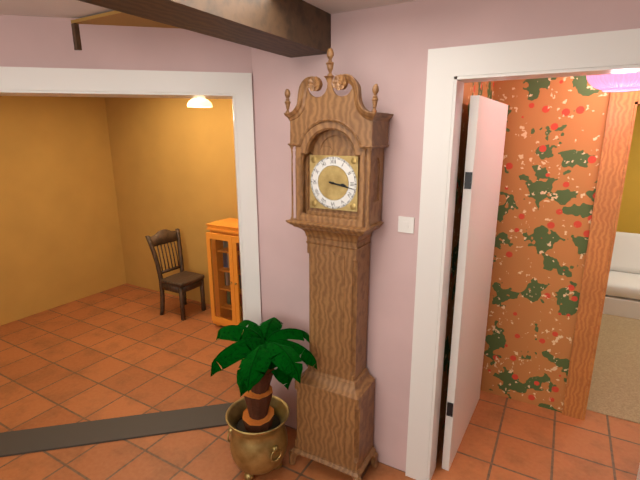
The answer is 3:17
